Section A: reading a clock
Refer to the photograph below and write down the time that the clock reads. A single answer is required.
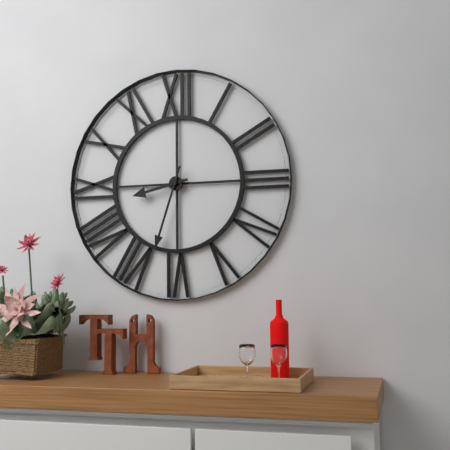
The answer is 8:33
